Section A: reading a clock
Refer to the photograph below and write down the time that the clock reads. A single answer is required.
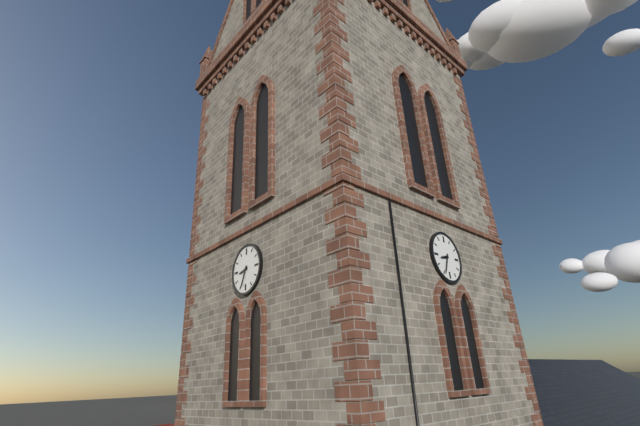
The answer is 8:34
